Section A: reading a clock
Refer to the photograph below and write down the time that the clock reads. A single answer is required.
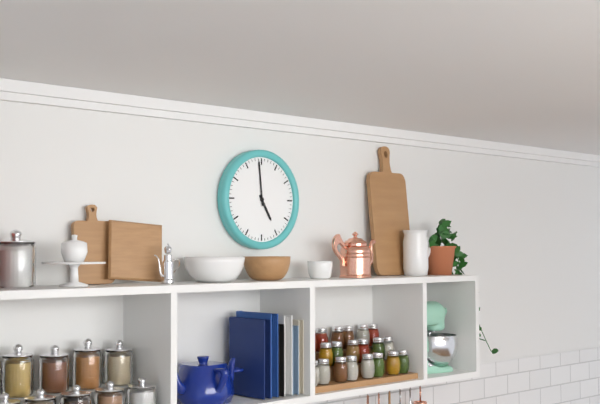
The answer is 4:59
